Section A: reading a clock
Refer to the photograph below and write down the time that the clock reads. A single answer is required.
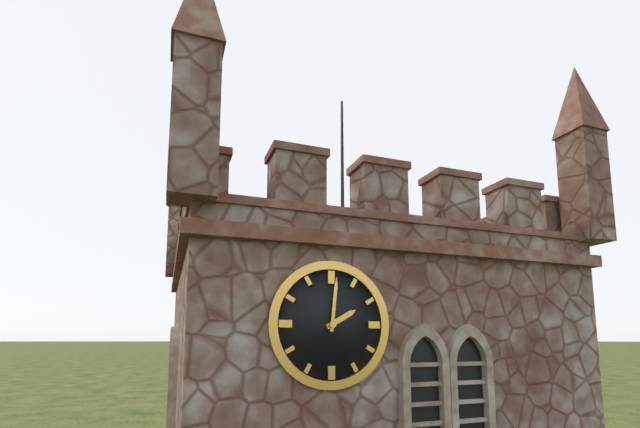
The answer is 2:01
